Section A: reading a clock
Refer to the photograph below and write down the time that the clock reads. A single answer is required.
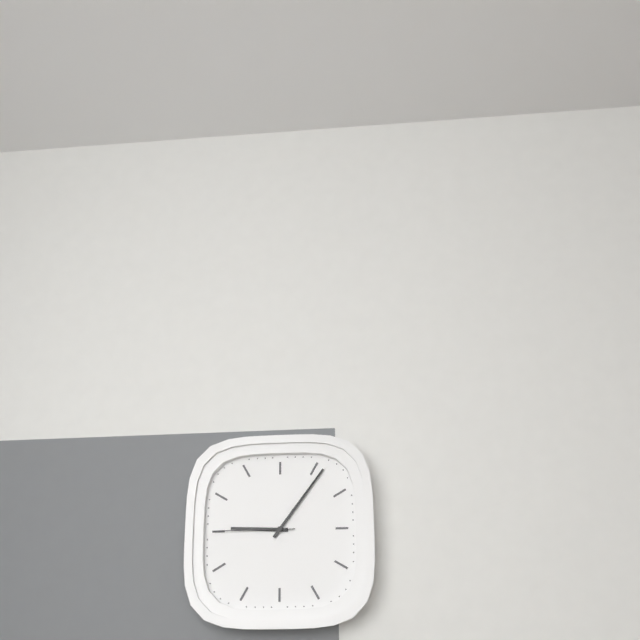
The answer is 9:06:45
